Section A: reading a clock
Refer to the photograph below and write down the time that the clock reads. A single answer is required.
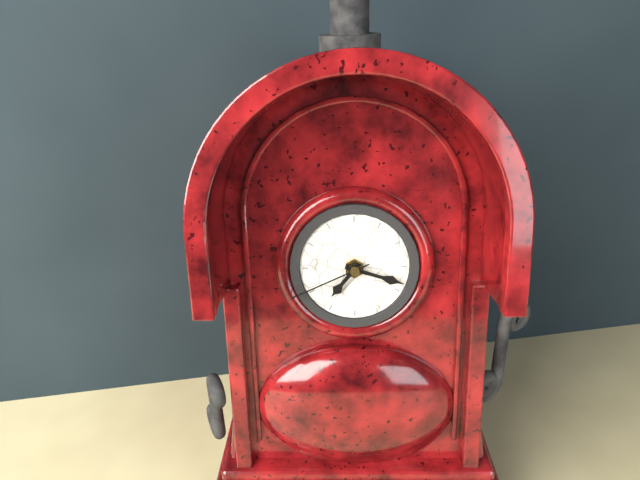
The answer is 7:18:41
